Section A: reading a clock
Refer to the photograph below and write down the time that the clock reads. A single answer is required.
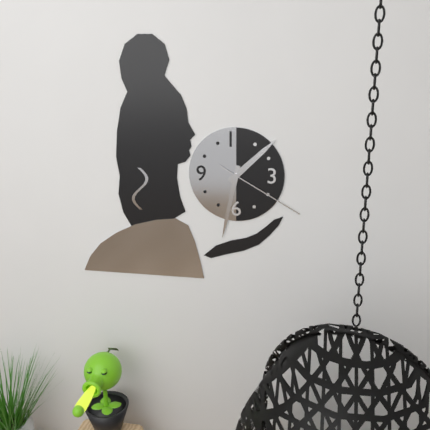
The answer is 1:32:20
